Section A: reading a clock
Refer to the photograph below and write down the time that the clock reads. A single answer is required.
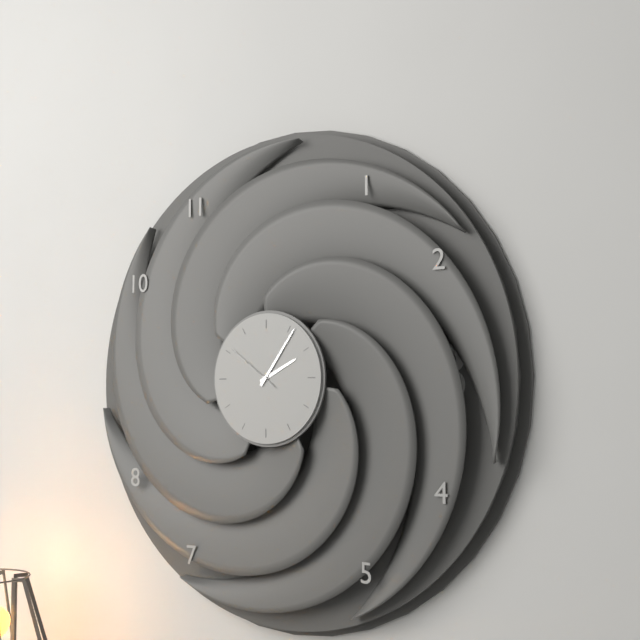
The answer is 2:06:51
